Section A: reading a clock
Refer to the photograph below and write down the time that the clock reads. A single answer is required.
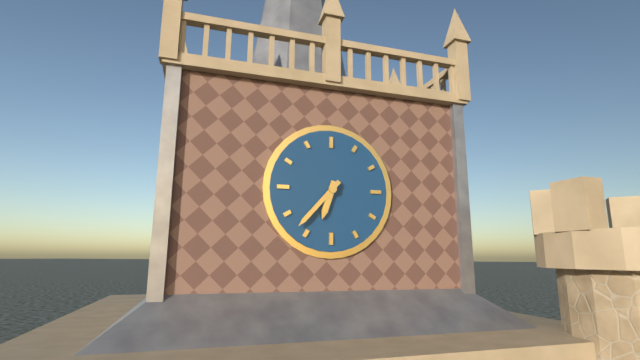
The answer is 6:37
